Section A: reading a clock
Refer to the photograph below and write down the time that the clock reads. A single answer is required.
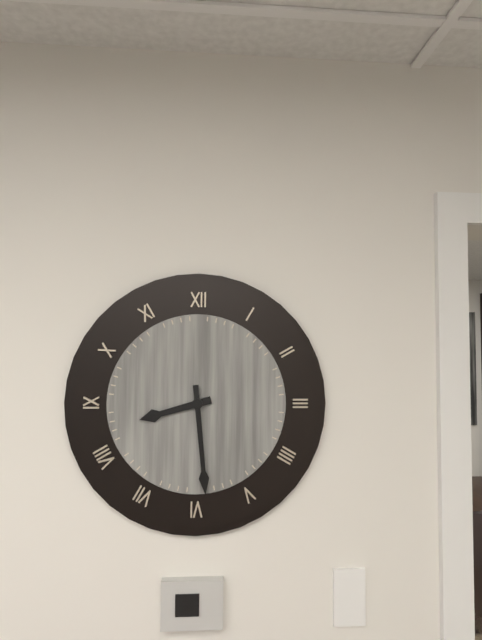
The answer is 8:29
